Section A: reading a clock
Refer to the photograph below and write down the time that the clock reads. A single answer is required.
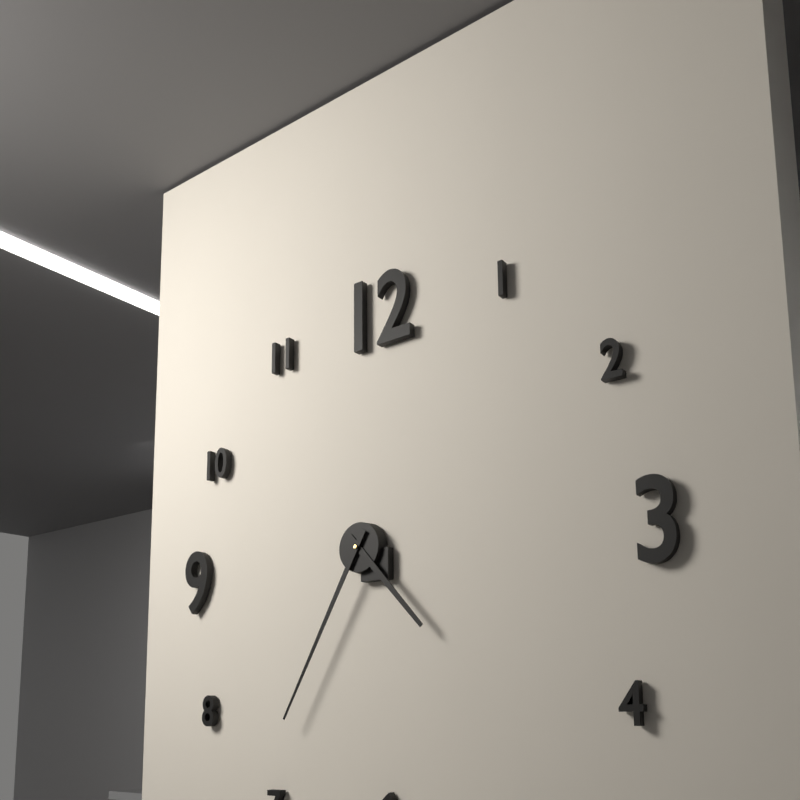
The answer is 4:35
